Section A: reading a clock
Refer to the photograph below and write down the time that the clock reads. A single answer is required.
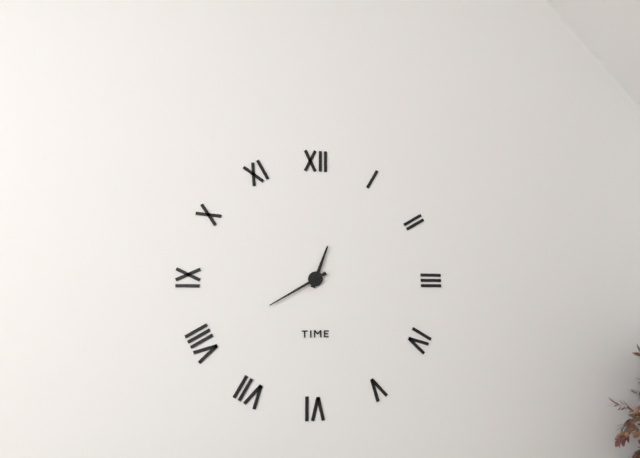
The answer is 12:40
